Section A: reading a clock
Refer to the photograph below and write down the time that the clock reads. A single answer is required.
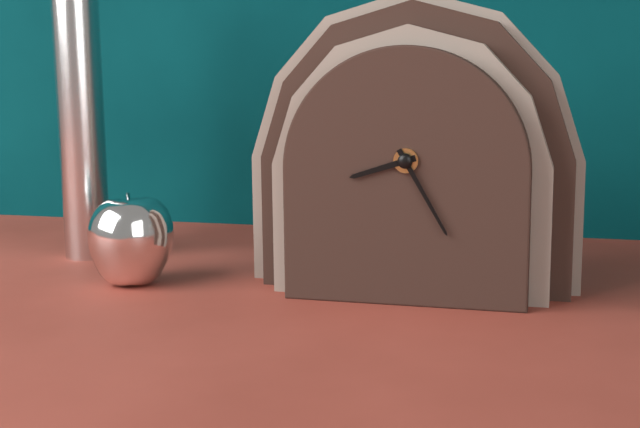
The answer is 8:25
